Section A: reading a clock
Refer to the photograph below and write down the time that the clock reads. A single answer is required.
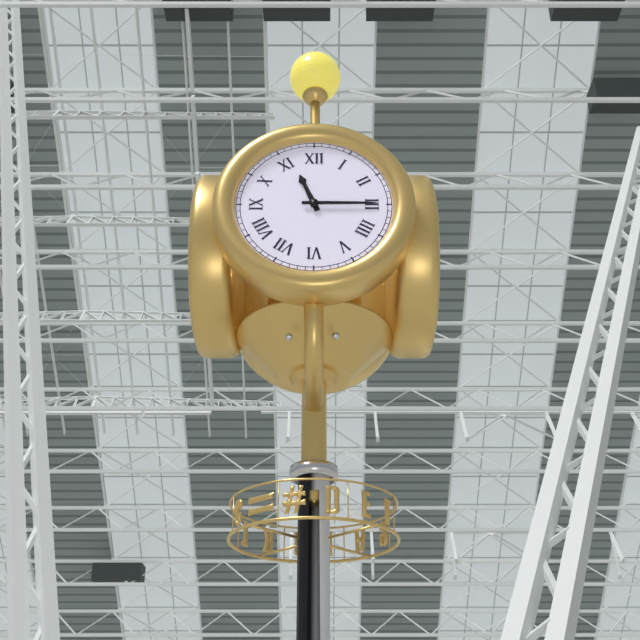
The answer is 11:15
